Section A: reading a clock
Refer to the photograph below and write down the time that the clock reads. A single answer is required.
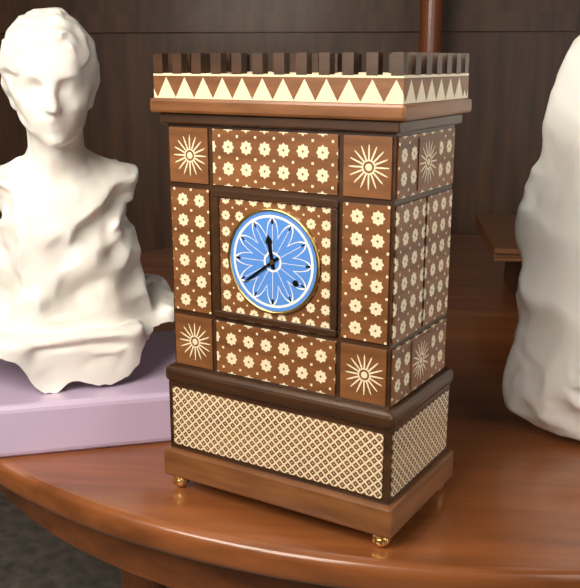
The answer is 11:39
